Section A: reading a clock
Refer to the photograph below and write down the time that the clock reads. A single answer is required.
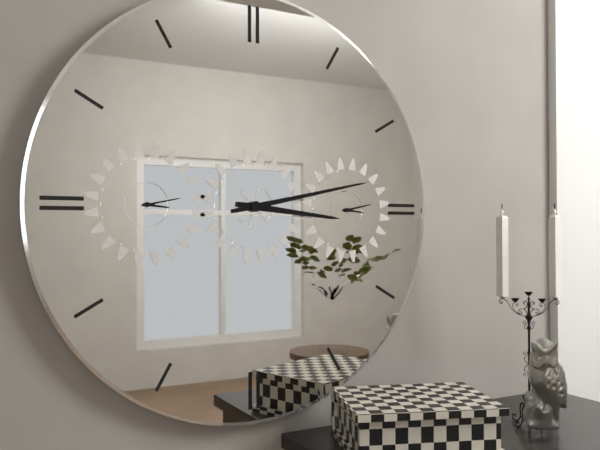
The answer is 3:13
